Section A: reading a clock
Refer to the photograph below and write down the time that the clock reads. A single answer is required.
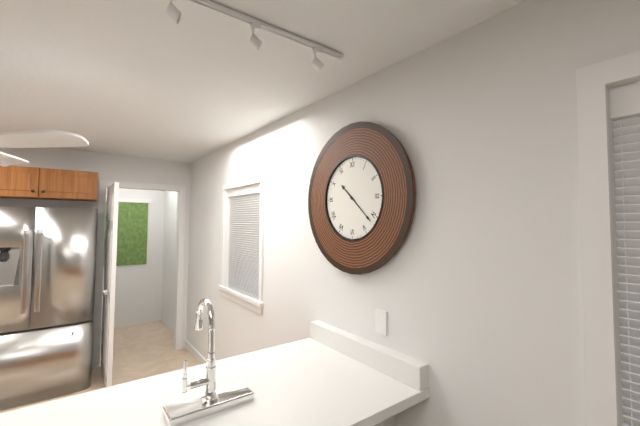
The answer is 10:22
